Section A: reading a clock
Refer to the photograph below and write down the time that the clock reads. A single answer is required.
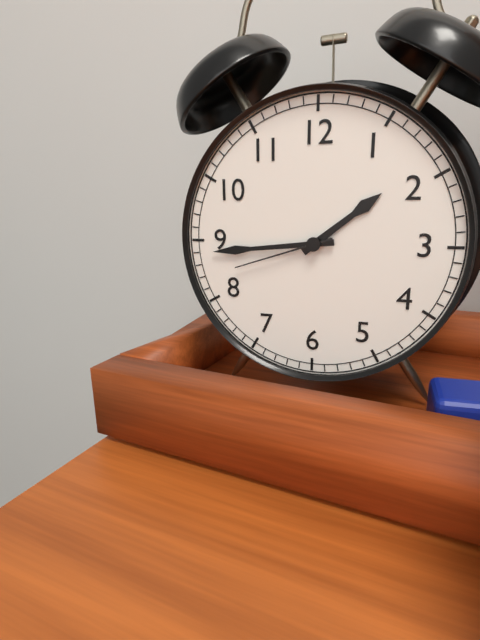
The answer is 1:44:42
